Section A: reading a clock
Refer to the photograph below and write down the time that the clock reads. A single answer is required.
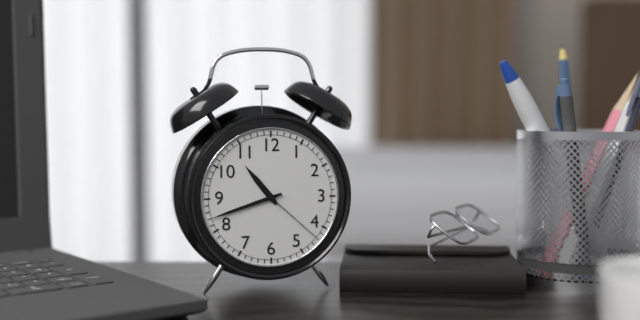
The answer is 10:42:22
